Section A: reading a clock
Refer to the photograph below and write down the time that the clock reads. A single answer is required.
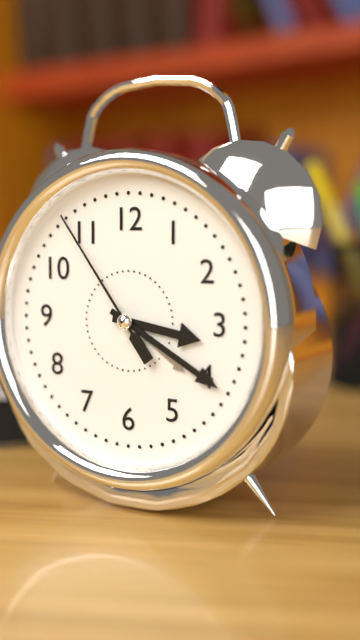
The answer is 3:20:54
